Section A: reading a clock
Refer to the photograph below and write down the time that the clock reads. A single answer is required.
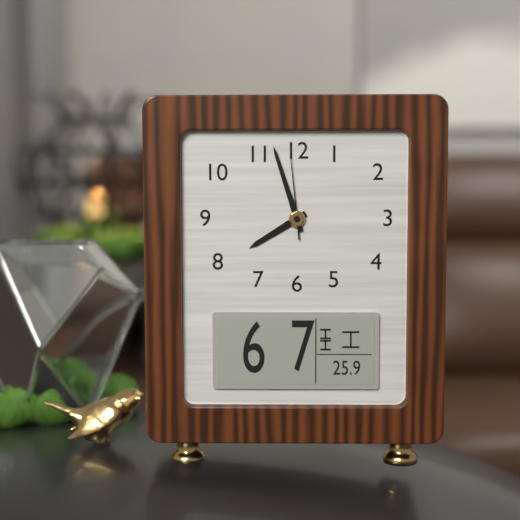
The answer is 7:57:59
